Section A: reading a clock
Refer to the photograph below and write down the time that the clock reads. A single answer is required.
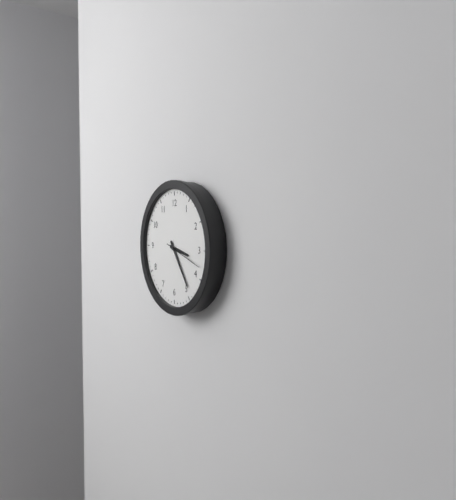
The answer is 3:24
